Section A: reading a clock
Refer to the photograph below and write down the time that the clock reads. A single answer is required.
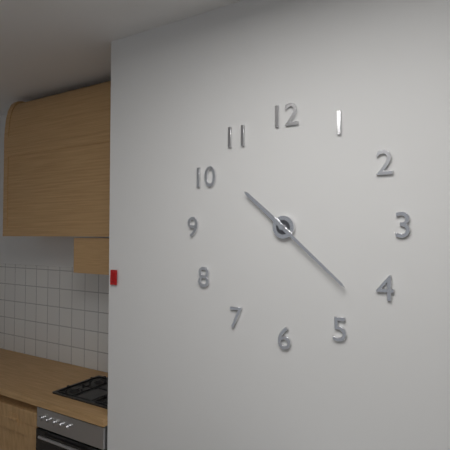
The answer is 10:22
